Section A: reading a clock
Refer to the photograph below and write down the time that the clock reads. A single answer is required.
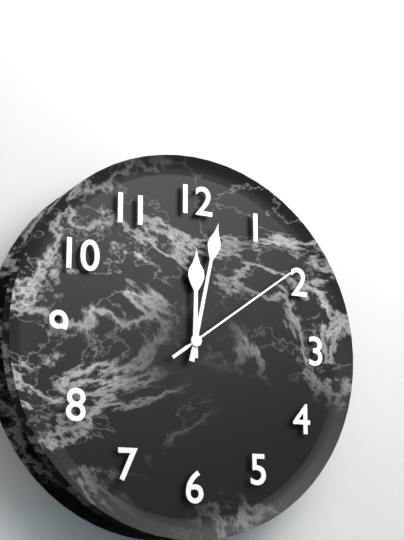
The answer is 12:02:09
